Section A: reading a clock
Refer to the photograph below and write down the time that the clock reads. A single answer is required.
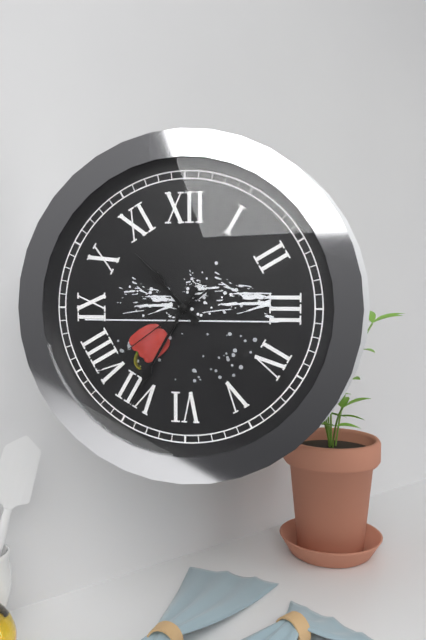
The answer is 10:35:39
